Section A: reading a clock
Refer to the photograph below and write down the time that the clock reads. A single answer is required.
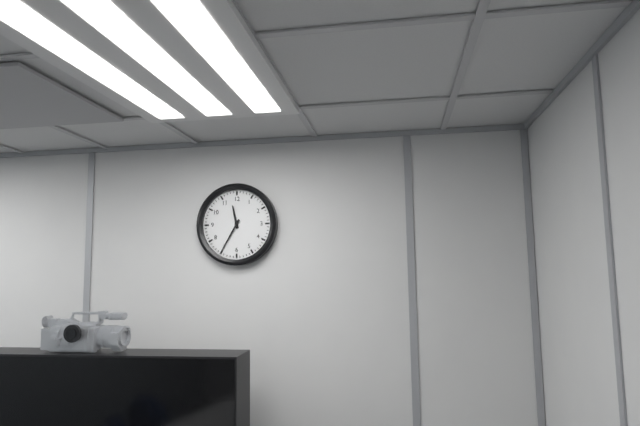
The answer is 11:35
